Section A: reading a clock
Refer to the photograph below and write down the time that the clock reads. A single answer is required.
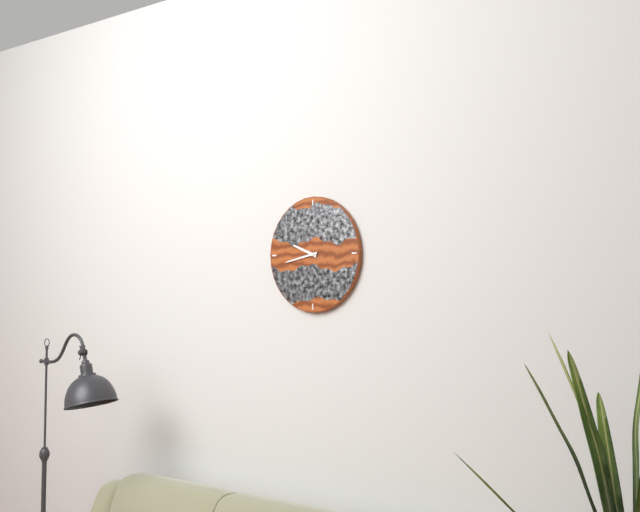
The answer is 9:43
